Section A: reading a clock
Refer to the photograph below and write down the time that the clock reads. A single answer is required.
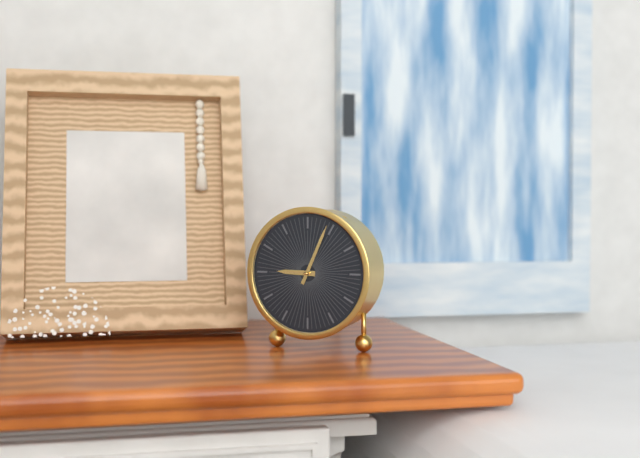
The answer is 9:04
